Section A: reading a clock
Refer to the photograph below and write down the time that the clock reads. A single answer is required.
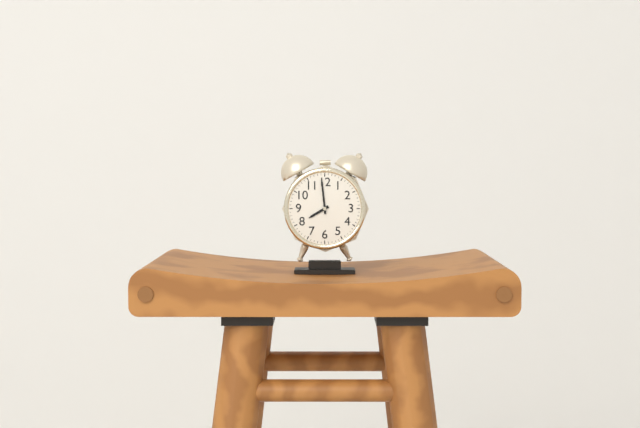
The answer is 7:59
